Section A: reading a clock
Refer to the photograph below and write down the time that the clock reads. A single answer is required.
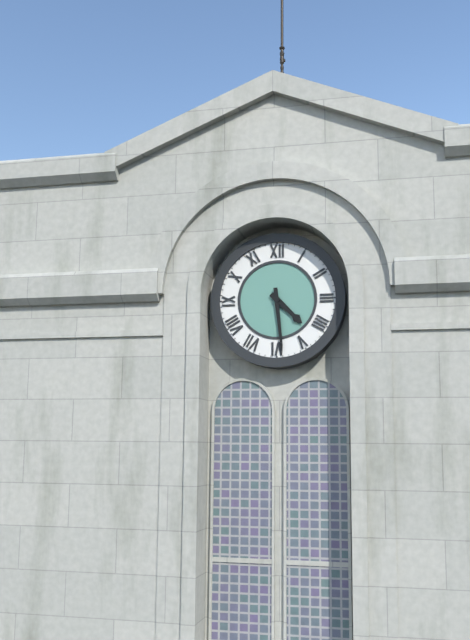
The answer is 4:29
